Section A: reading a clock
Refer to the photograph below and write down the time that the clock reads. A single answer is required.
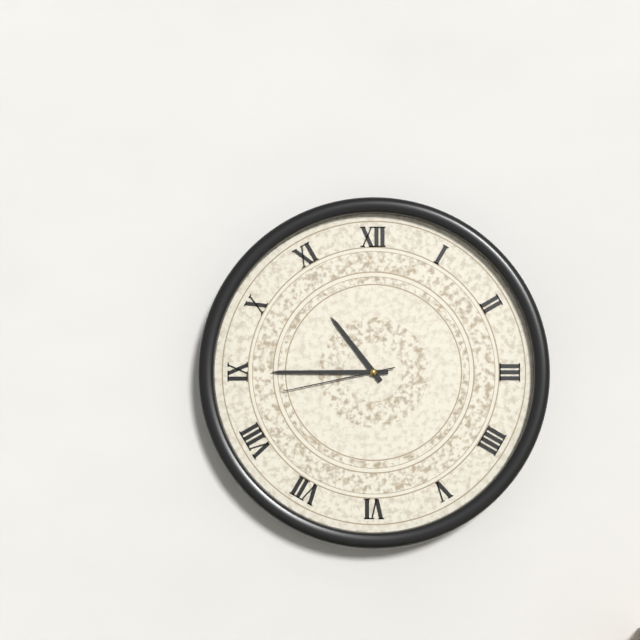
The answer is 10:45:43
